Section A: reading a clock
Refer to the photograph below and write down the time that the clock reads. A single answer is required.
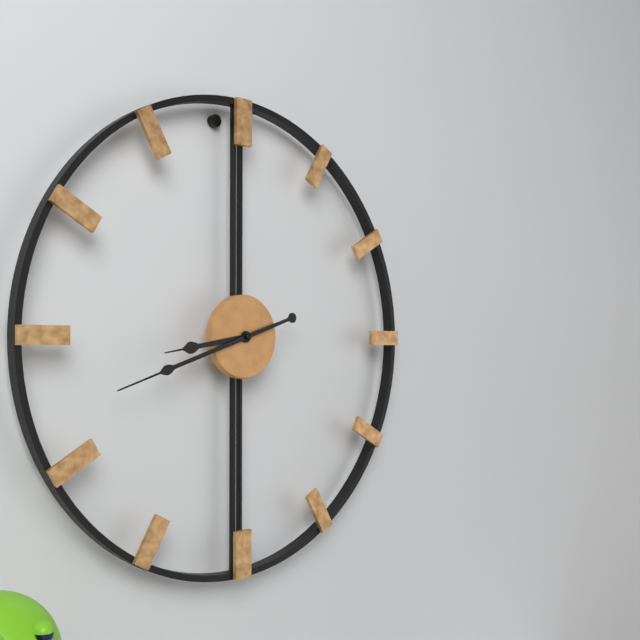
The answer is 8:42
